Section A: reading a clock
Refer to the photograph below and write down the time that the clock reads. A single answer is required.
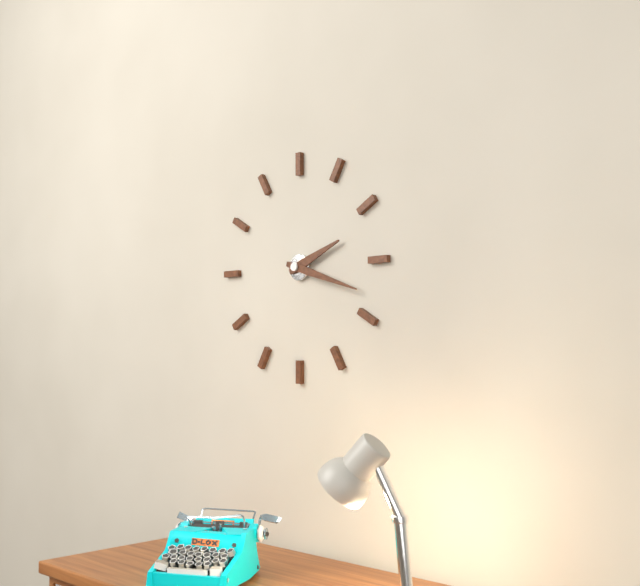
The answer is 2:18
